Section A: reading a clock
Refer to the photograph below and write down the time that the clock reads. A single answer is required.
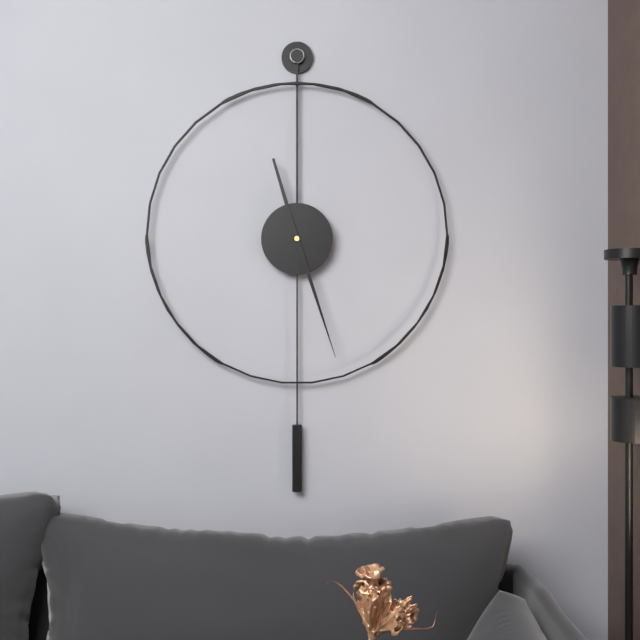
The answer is 11:27
